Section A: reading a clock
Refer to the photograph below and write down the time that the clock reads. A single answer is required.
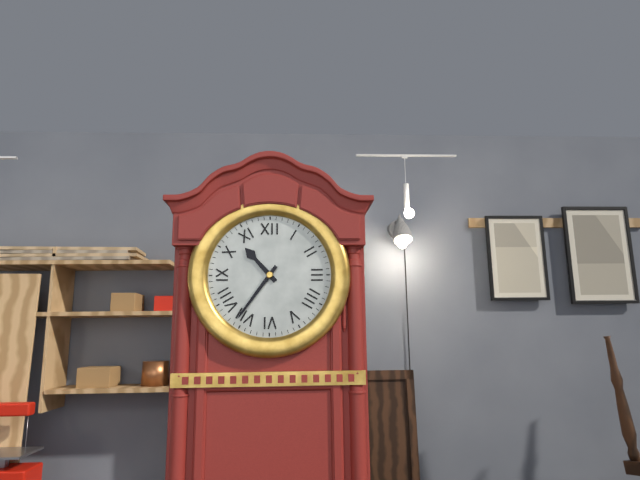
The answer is 10:36
